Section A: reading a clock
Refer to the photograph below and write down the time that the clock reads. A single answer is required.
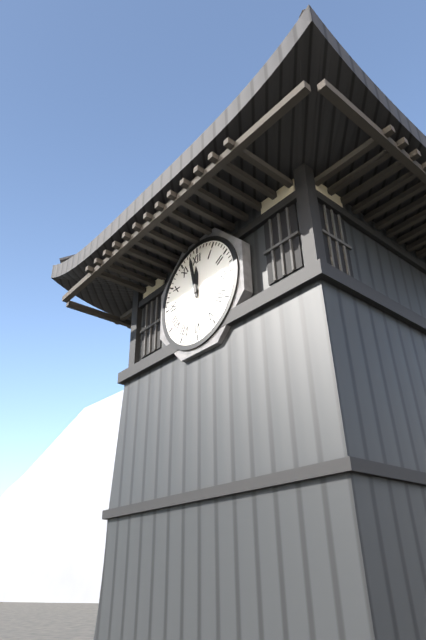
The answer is 11:58
